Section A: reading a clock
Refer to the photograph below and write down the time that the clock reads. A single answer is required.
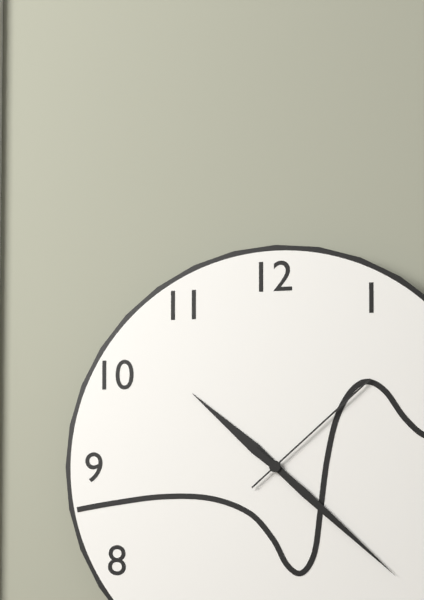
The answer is 10:22:08
